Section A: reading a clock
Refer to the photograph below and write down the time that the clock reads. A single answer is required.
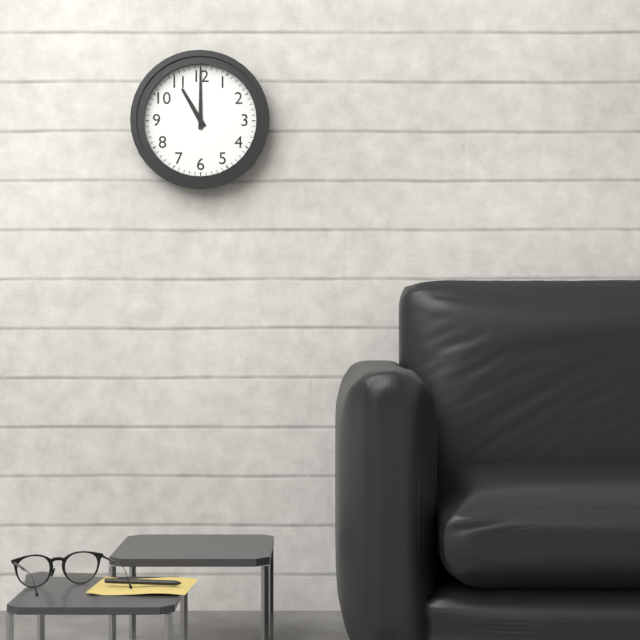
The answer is 11:00
